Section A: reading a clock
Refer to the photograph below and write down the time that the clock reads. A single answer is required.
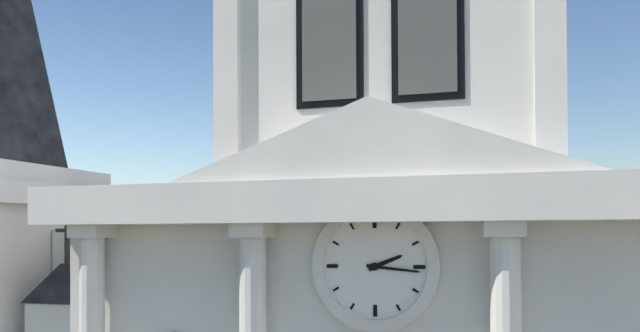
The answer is 2:16
